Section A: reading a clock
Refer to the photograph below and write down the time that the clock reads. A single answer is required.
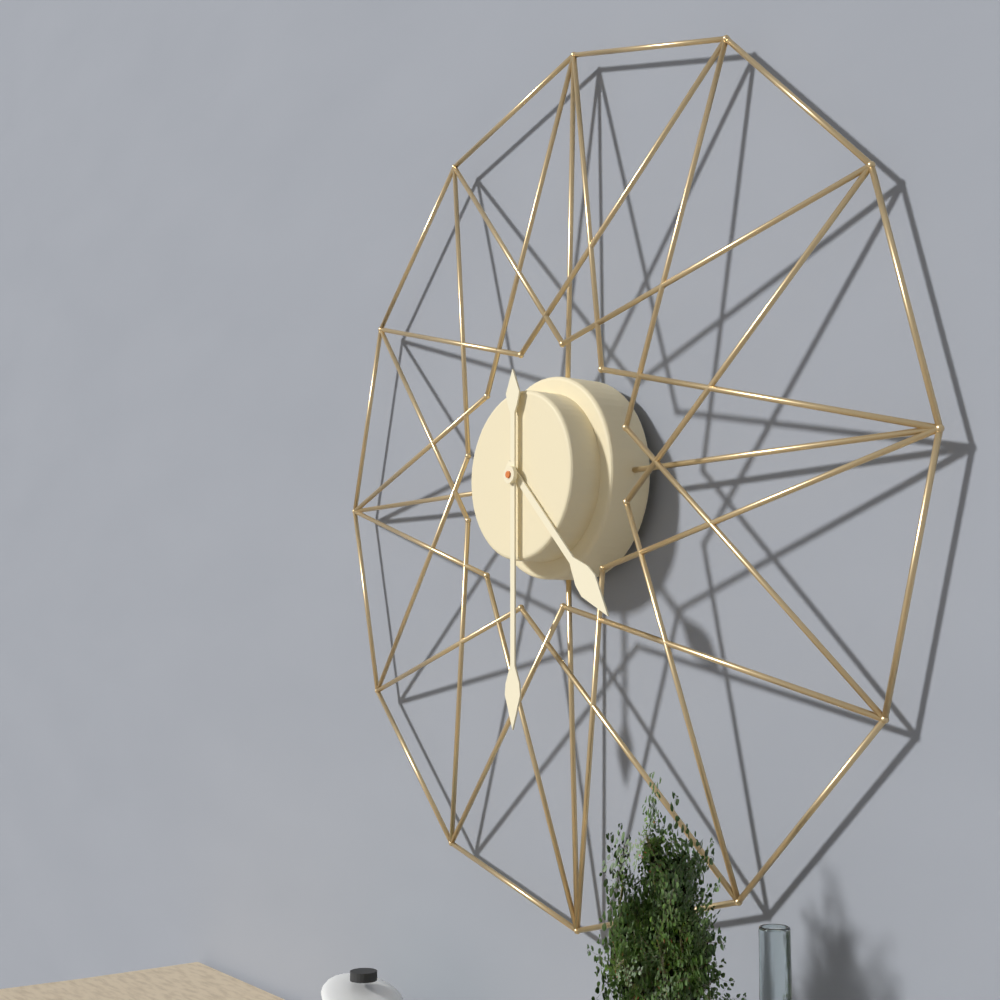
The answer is 4:30
